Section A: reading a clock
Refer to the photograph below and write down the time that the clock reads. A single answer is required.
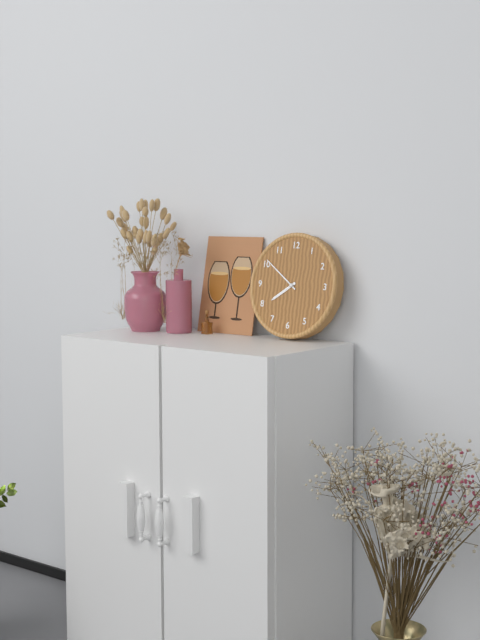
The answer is 7:51
